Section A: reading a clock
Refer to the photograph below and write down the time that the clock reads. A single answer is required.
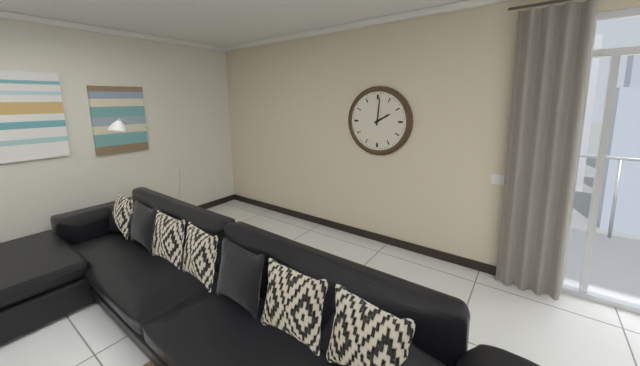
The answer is 2:01
